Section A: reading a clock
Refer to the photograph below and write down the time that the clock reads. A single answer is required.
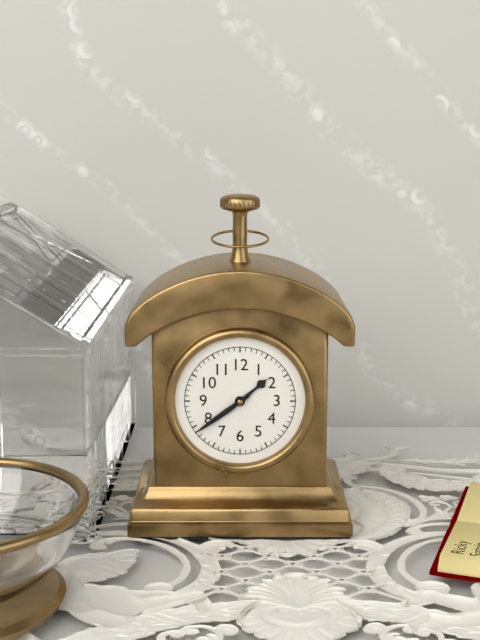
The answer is 1:39
